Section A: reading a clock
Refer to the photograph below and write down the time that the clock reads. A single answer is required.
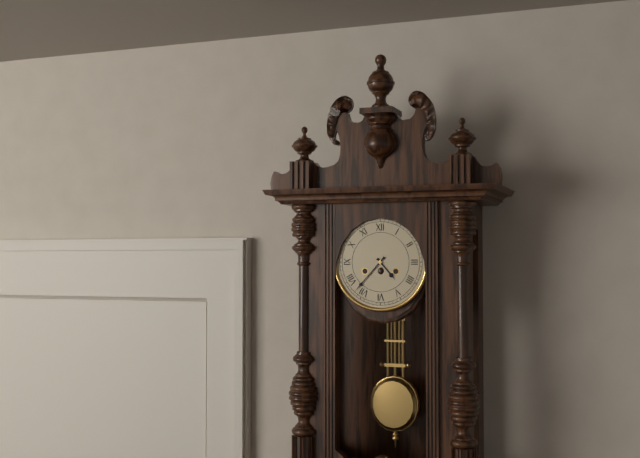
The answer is 4:37
